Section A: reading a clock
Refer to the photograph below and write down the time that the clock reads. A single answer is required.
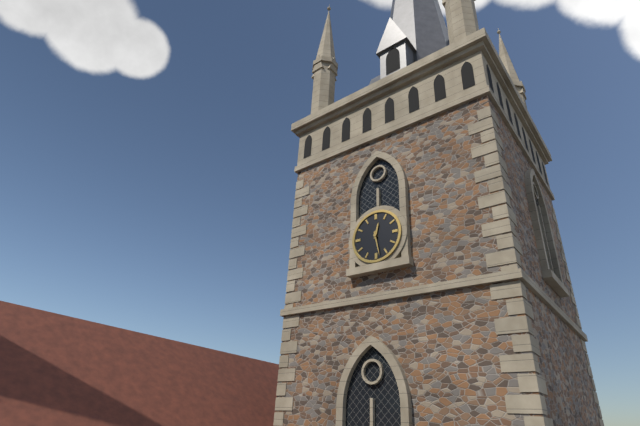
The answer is 12:28
